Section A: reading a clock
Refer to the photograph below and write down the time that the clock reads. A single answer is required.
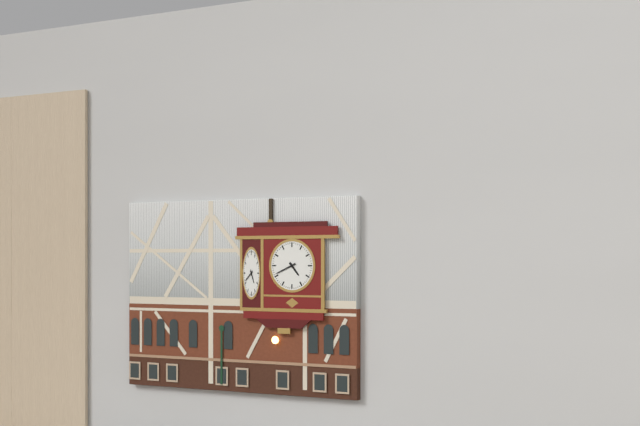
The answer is 4:41
